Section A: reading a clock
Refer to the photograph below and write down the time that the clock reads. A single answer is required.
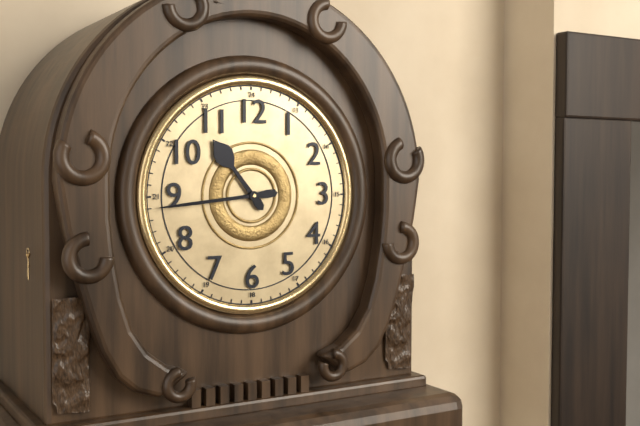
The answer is 10:44
